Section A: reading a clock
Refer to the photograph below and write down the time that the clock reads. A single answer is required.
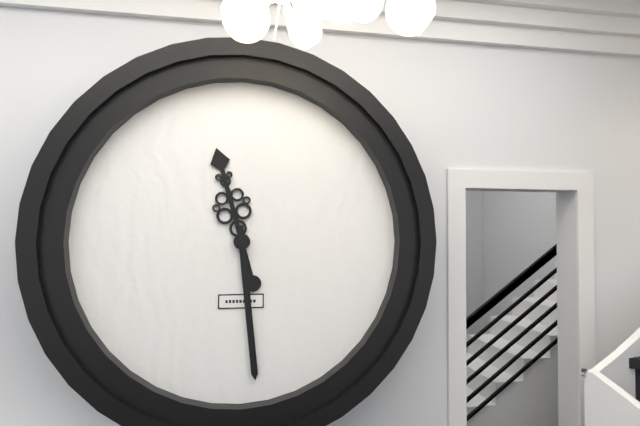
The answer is 11:29
